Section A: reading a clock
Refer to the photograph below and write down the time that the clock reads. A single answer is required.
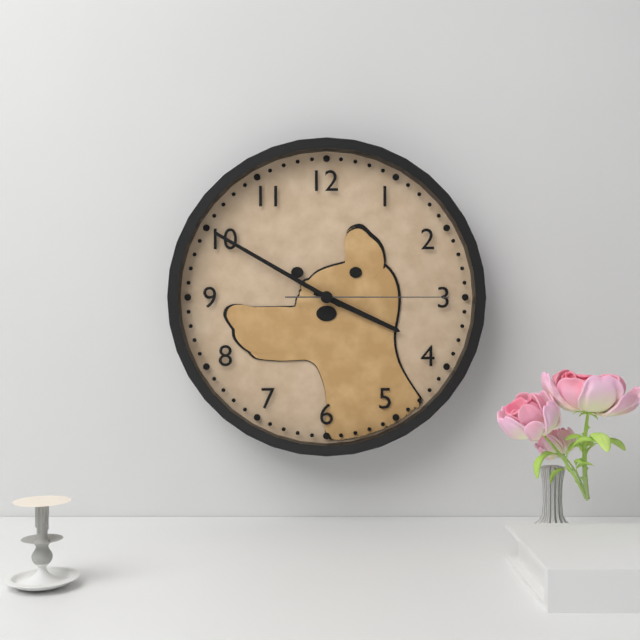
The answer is 3:50:15
